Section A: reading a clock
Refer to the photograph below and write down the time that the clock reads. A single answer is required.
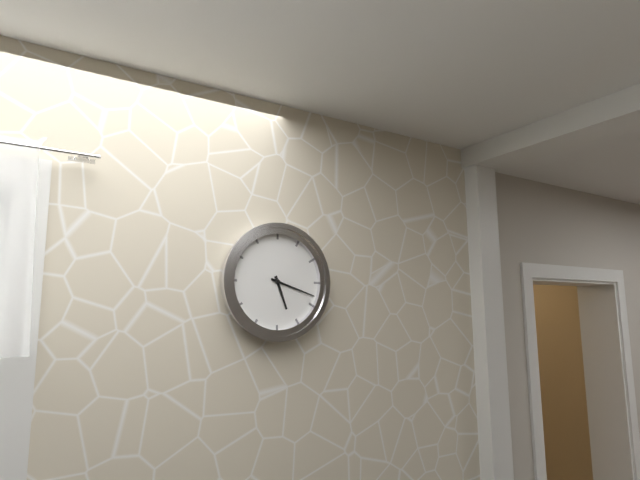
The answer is 5:18
